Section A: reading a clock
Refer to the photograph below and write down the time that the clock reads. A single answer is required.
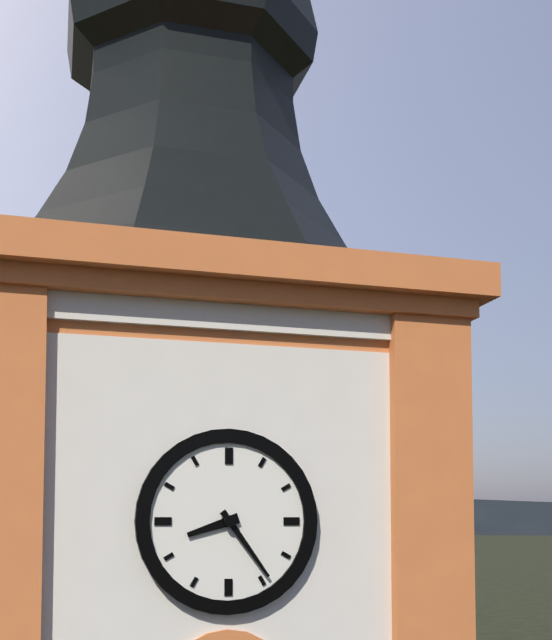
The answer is 8:24
